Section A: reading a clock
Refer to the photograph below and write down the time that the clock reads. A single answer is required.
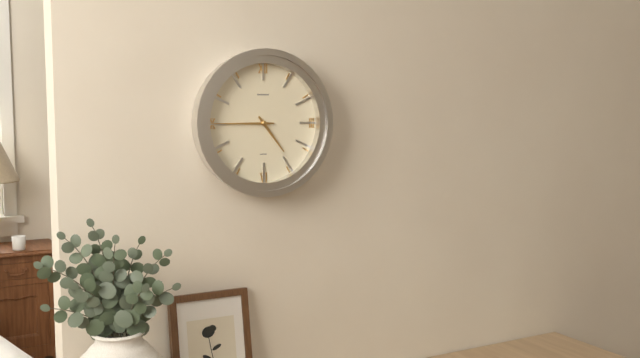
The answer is 4:45
